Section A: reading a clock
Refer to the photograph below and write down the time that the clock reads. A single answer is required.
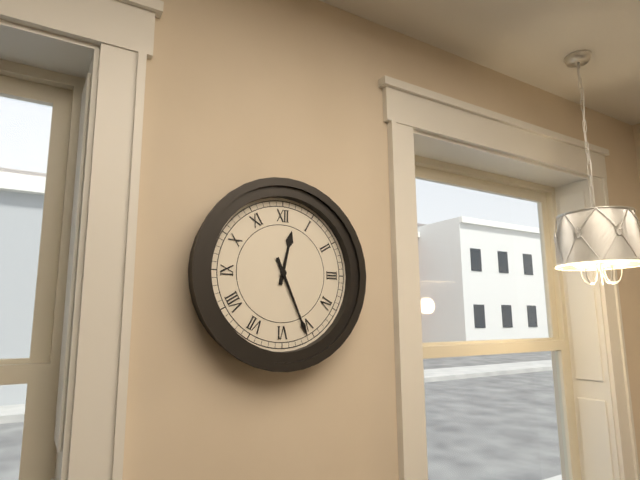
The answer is 12:26
